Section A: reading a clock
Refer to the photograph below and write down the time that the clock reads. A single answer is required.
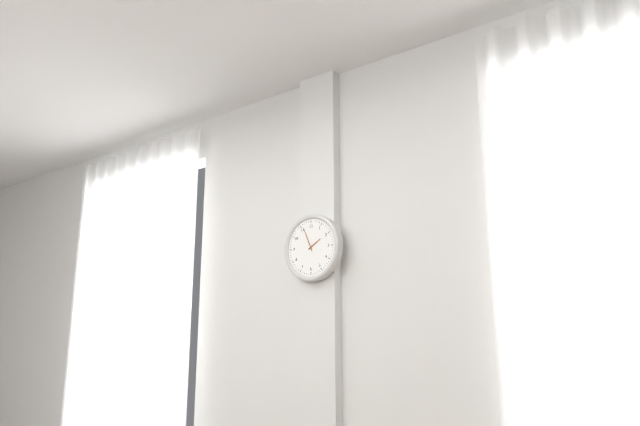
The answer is 1:56
